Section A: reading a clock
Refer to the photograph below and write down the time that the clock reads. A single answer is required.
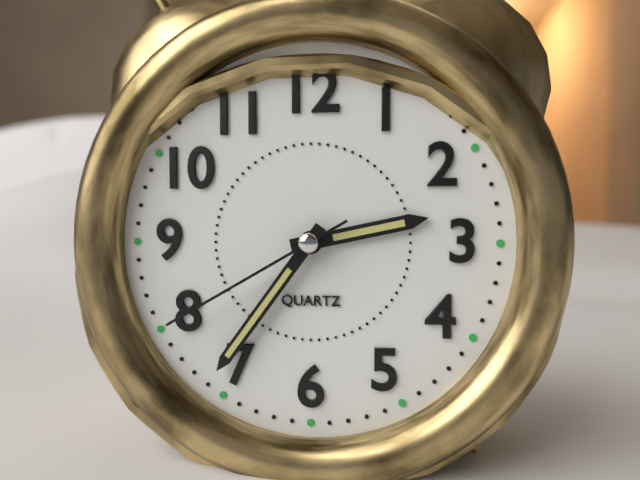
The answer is 2:36:40
